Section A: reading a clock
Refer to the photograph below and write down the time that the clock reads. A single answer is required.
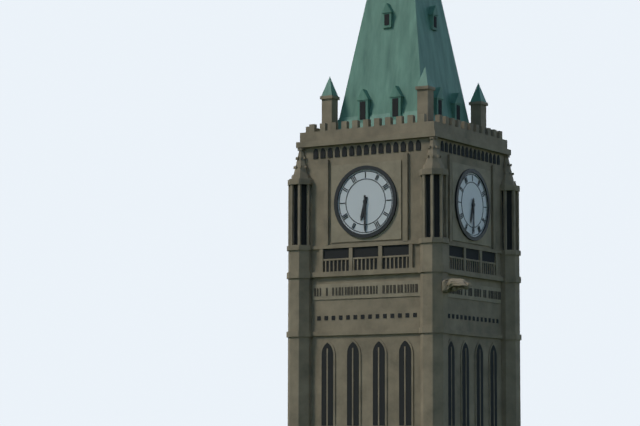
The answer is 6:30
